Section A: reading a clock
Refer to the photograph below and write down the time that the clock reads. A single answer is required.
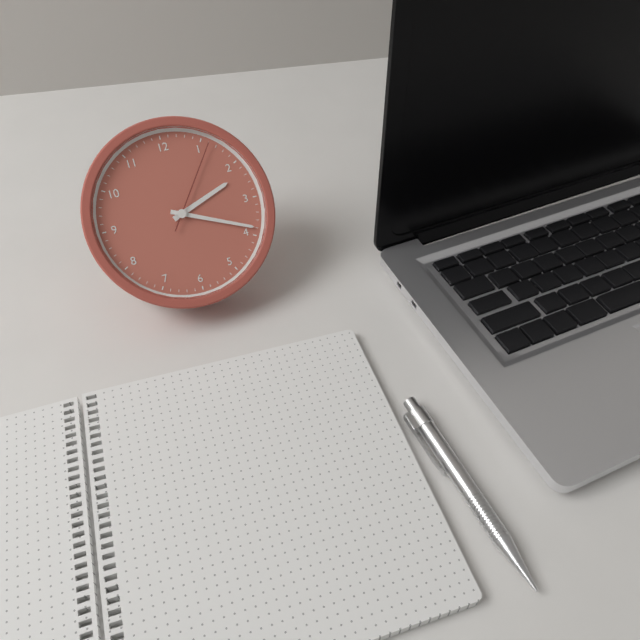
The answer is 2:19:06
